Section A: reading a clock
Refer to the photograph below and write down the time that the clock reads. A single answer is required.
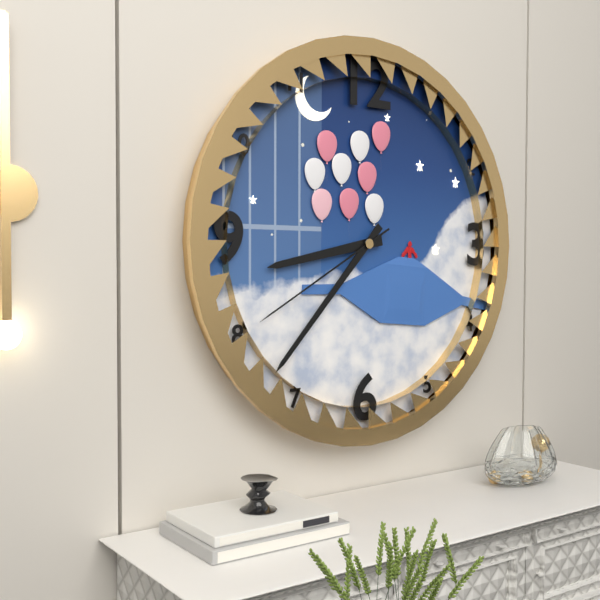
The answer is 8:37:40
